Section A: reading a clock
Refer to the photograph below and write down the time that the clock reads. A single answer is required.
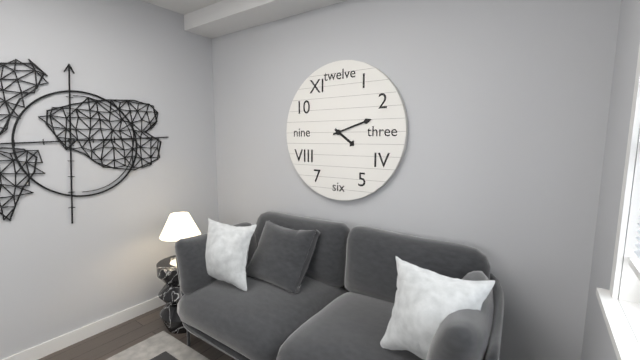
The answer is 4:12
